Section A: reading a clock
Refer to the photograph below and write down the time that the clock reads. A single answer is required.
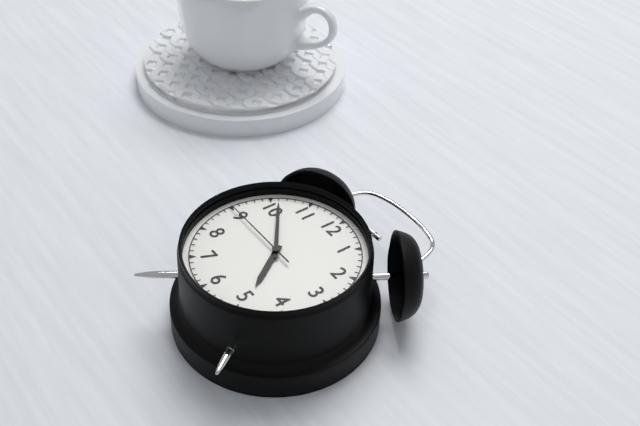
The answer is 4:51:45
